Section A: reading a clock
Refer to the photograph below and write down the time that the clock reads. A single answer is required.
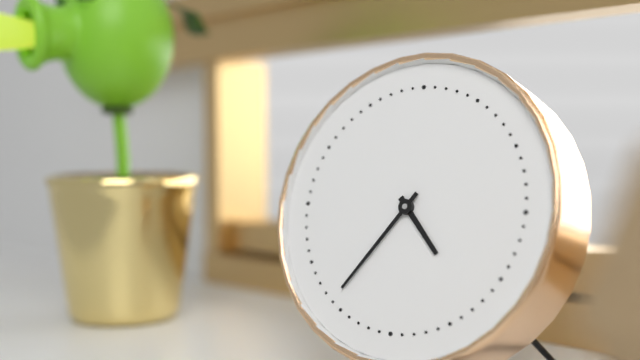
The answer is 4:36
